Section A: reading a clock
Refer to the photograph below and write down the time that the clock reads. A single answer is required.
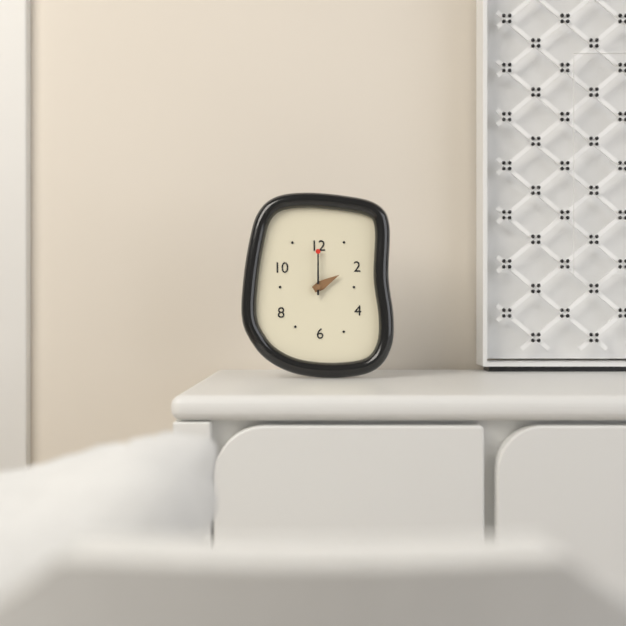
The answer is 2:00
